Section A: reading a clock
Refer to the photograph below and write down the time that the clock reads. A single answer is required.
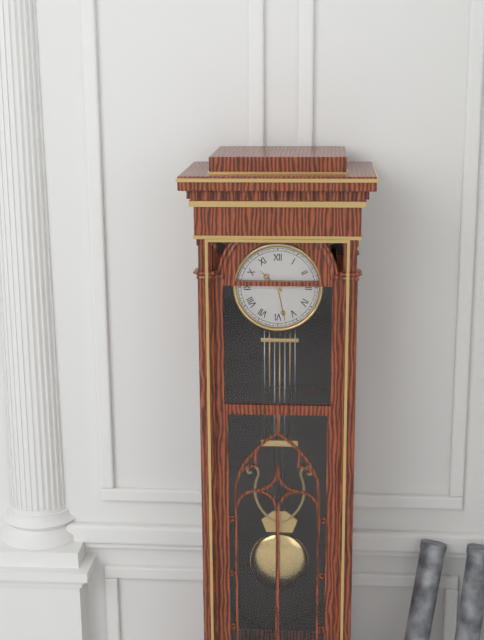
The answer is 10:28
